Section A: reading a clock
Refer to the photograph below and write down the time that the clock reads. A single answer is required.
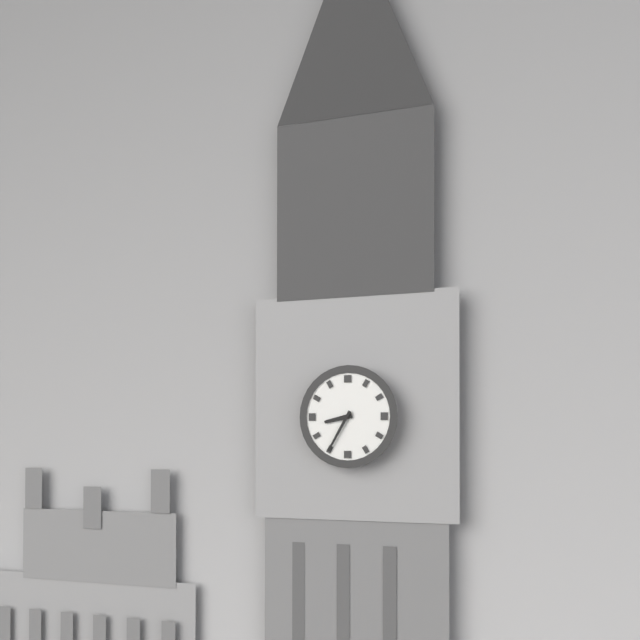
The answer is 8:35
